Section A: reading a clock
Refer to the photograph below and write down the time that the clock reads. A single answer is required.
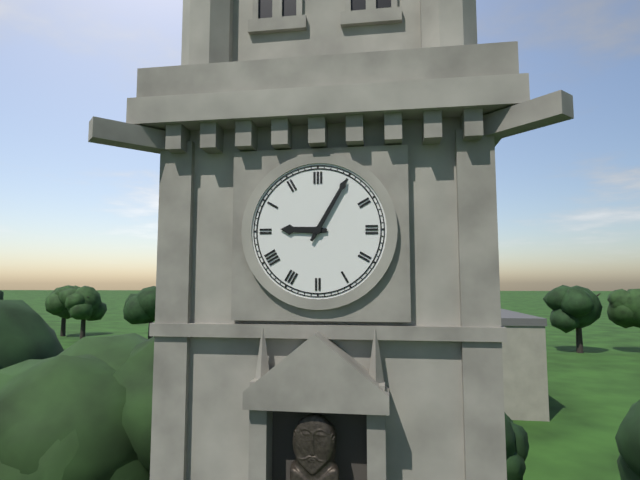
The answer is 9:05
